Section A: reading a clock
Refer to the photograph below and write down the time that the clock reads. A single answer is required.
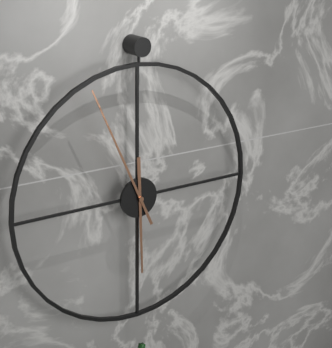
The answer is 5:56
